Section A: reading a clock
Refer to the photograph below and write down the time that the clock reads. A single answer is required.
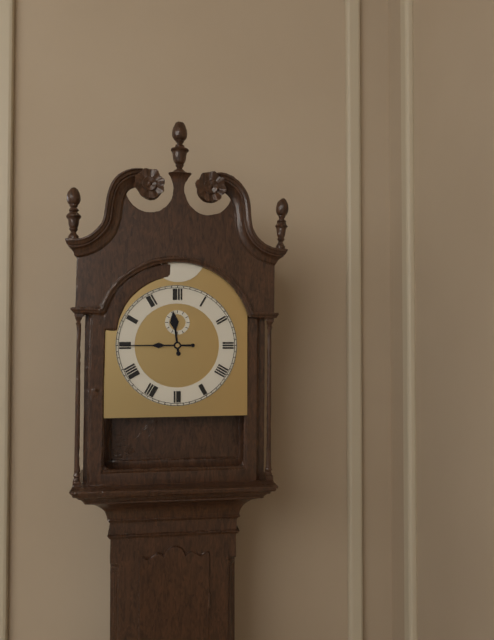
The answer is 11:45
